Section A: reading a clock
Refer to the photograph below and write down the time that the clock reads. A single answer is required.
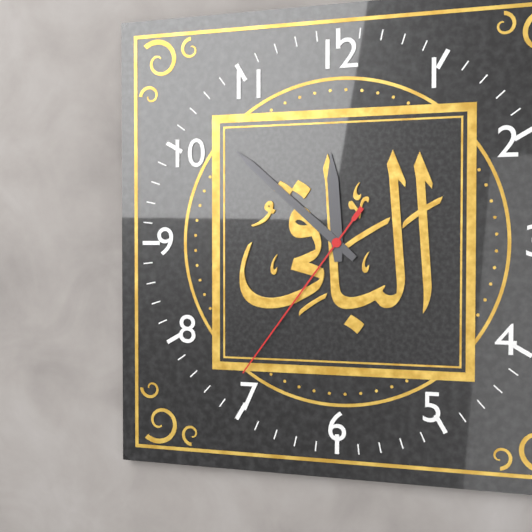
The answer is 11:52:36
